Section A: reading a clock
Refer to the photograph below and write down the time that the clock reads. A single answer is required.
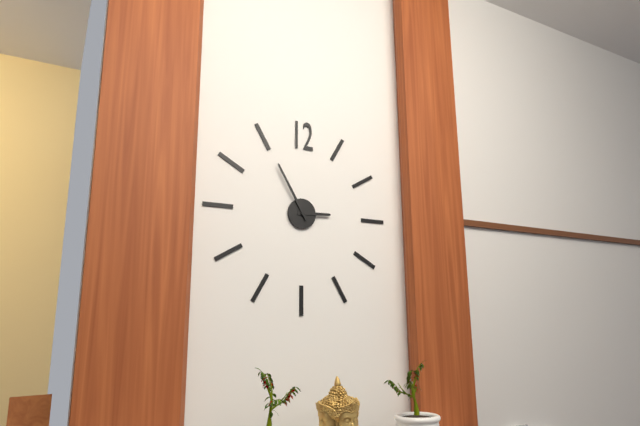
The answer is 2:55
